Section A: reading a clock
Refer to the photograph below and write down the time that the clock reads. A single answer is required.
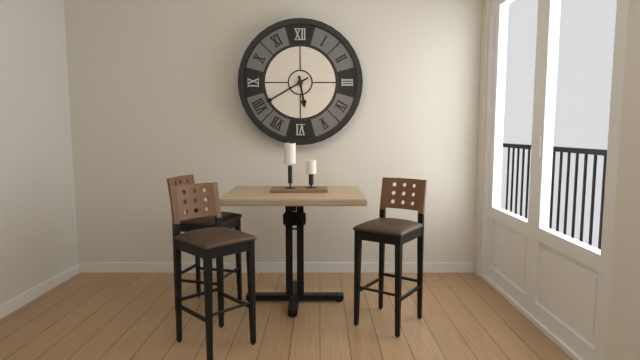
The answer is 5:40
